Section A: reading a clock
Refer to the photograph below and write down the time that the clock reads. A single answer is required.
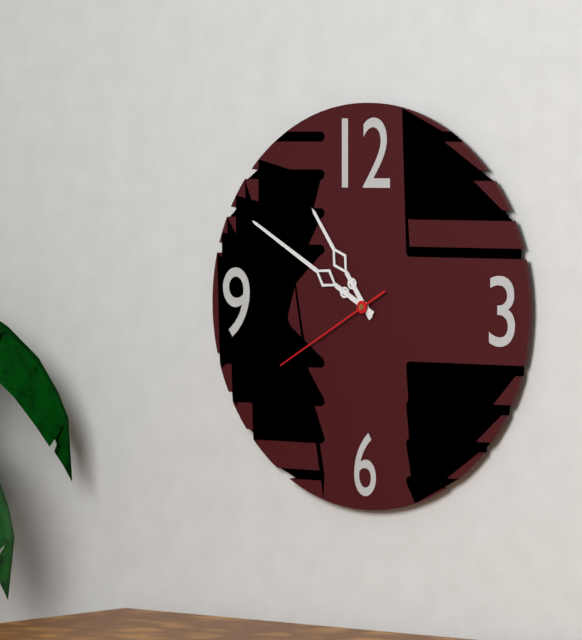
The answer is 10:50:40
